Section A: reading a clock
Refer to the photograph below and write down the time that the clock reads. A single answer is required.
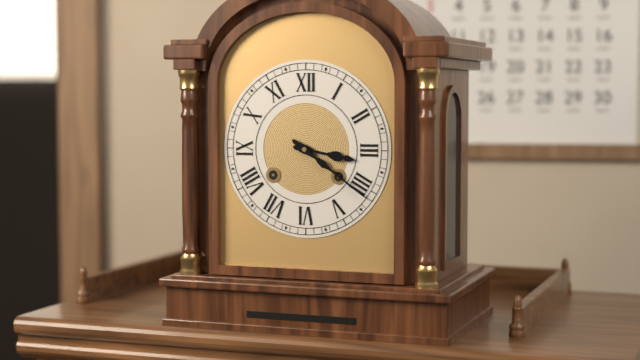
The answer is 3:21
